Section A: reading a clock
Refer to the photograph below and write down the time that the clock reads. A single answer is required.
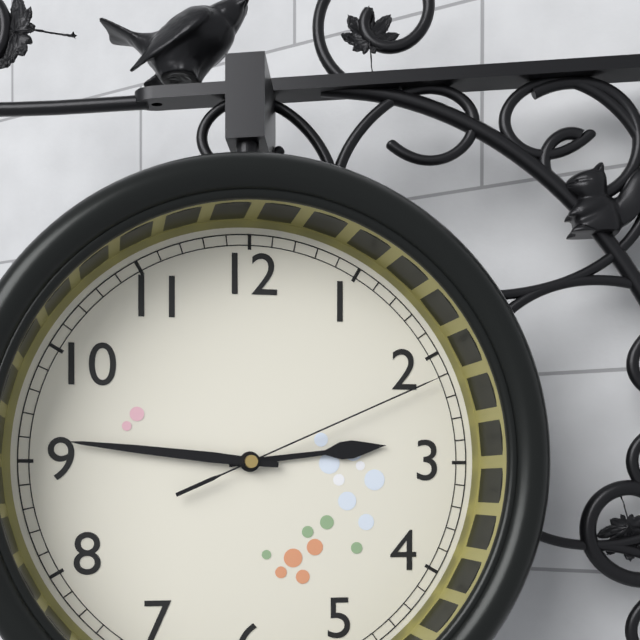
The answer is 2:46:11
